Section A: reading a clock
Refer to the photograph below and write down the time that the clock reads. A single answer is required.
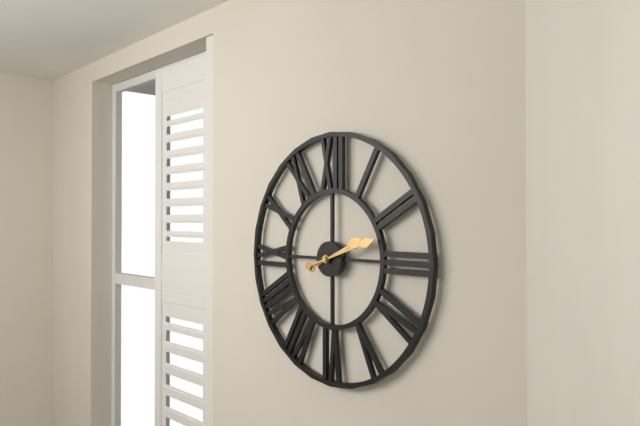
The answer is 2:12
